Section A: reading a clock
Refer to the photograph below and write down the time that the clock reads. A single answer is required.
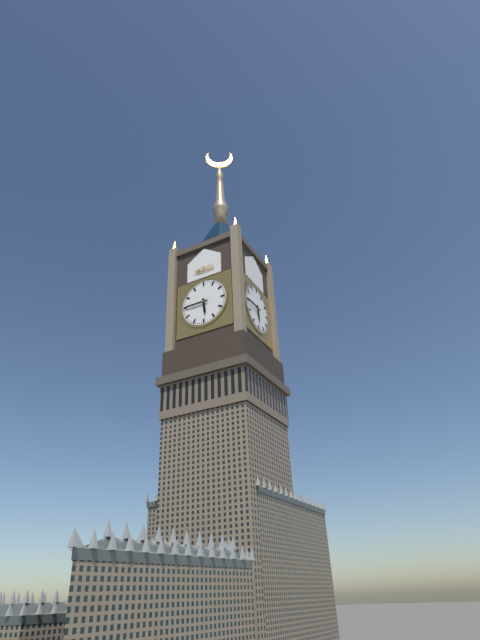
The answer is 5:45
